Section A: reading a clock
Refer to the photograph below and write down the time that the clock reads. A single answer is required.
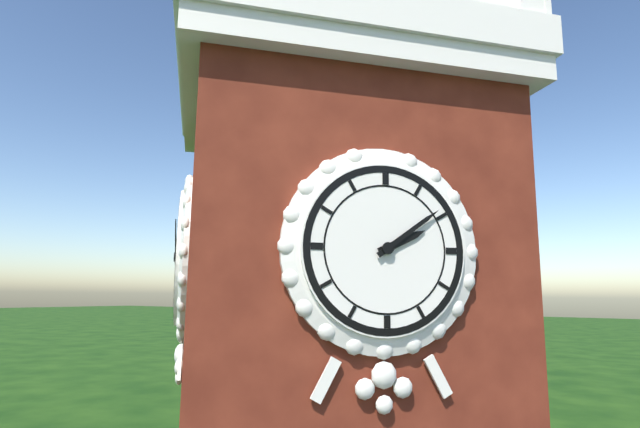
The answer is 2:09
